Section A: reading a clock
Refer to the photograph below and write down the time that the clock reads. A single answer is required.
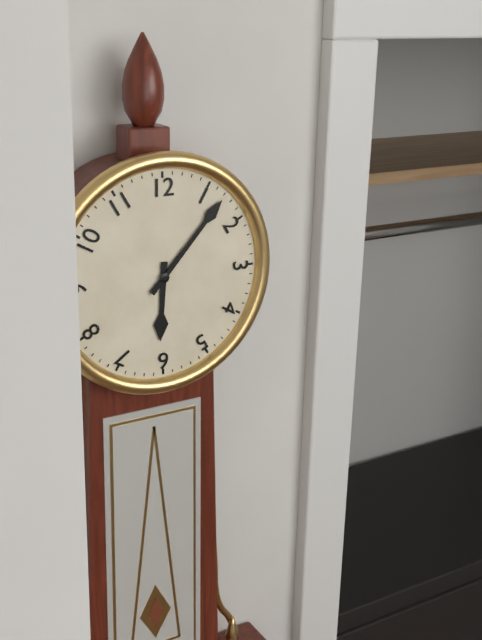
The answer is 6:07
